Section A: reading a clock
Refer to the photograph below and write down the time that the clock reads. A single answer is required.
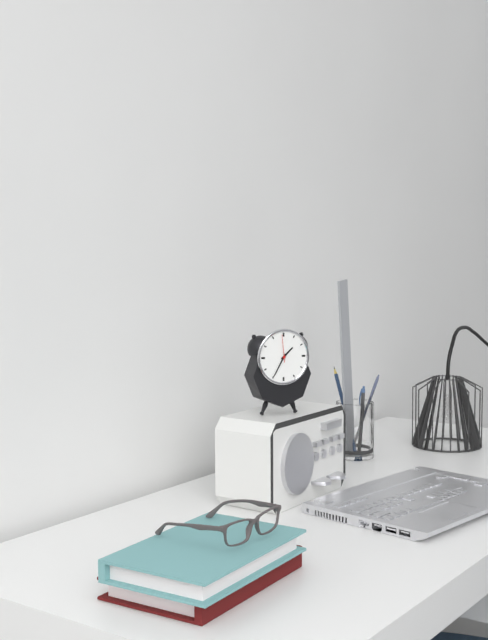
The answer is 1:35
